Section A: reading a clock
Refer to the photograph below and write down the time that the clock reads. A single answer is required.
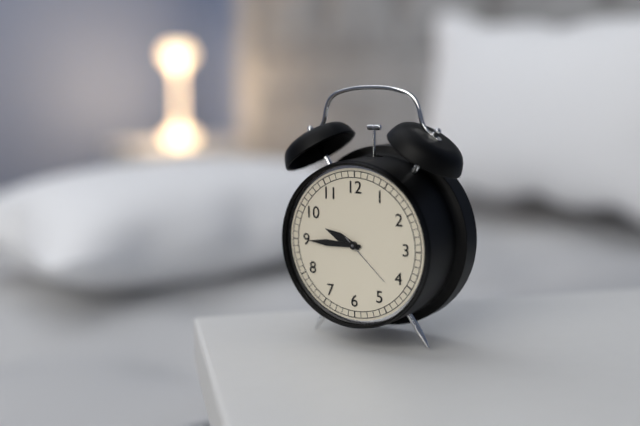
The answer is 9:45:22
